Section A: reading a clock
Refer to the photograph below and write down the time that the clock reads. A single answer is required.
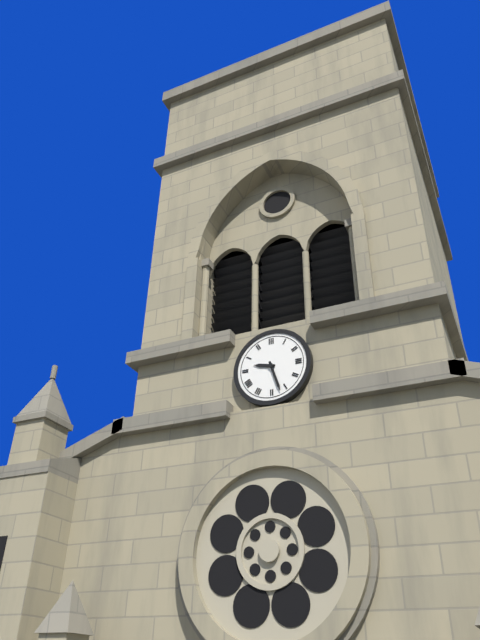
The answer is 9:27
